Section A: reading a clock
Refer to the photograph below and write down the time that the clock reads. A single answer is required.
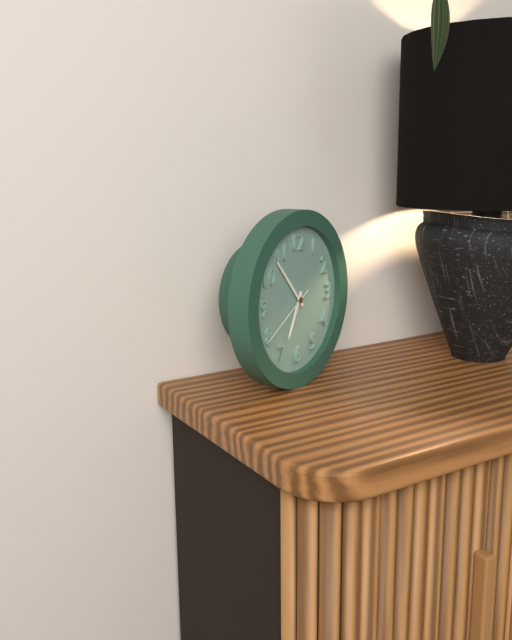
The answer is 6:53:40
